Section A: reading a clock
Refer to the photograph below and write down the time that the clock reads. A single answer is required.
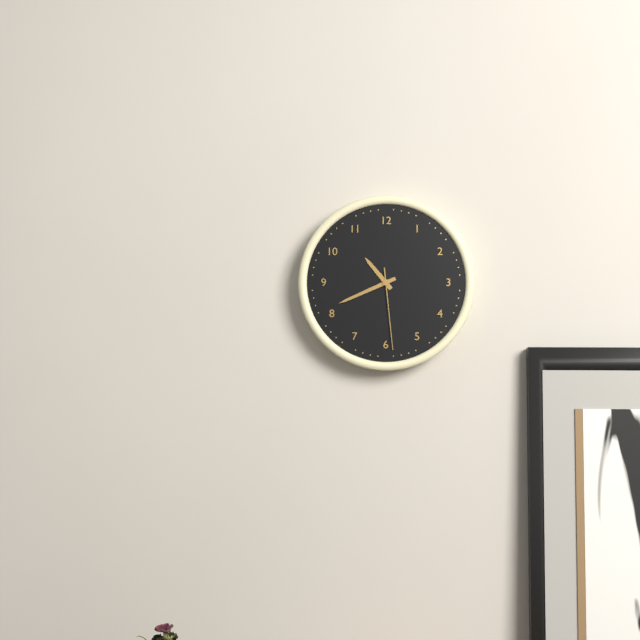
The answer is 10:41:29
